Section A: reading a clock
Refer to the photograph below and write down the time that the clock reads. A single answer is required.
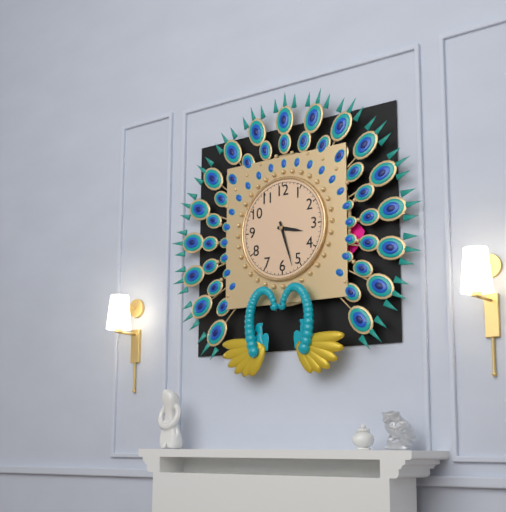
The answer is 3:27
